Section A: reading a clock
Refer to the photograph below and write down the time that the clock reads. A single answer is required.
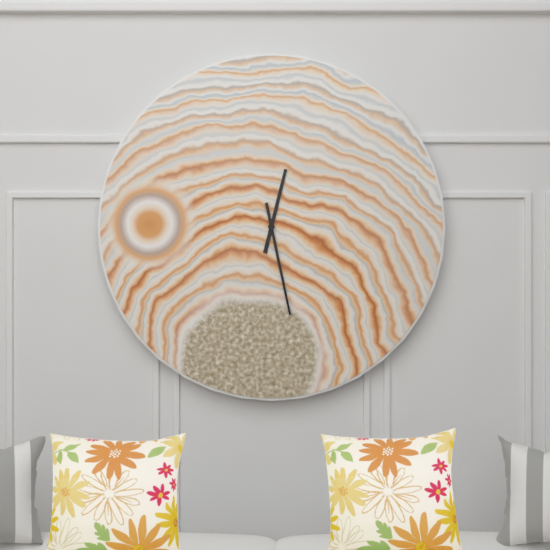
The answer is 12:28
